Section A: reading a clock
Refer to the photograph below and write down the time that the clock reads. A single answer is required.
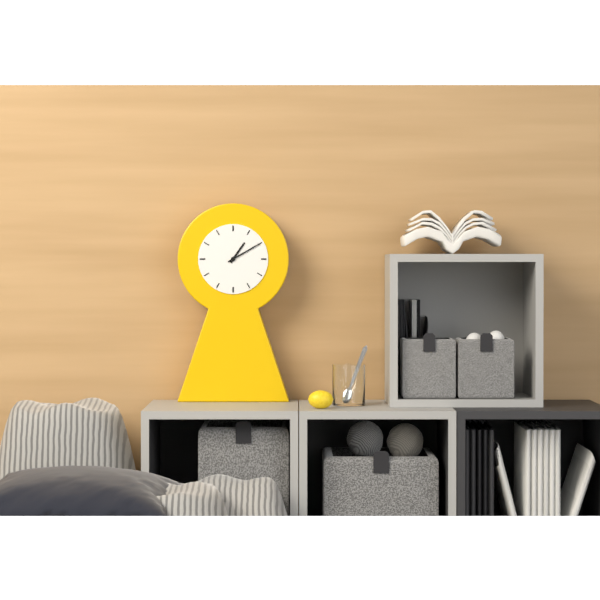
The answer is 1:10
